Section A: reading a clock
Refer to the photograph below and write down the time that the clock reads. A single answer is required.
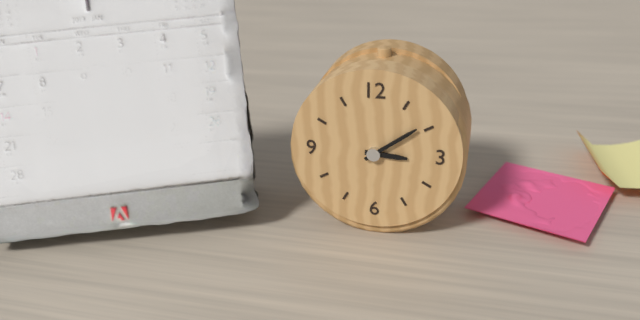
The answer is 3:09
